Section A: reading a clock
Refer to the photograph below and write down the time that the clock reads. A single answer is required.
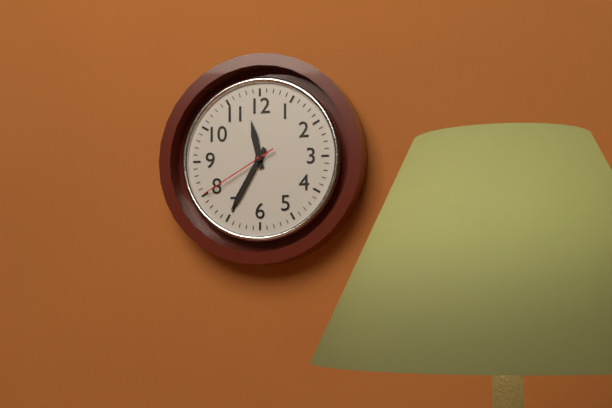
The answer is 11:35:40
